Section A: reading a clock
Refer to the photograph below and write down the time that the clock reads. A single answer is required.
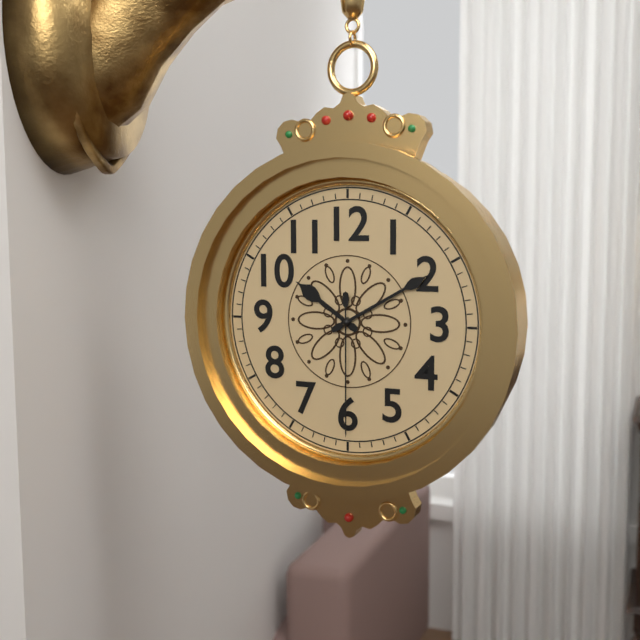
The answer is 10:10:30
